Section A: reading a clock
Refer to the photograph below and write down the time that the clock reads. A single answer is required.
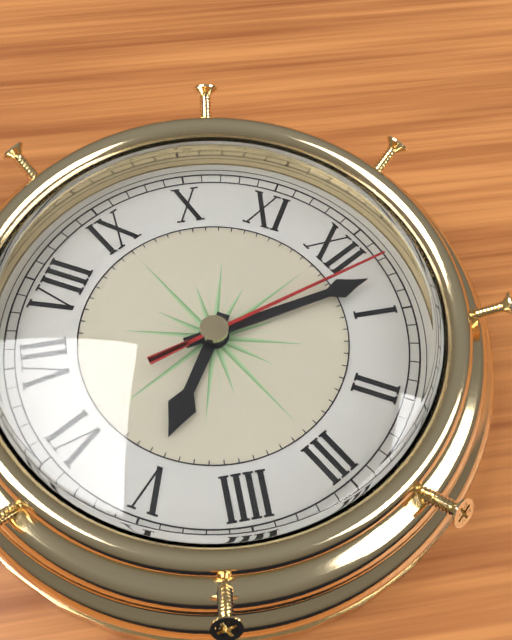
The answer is 5:03:02
